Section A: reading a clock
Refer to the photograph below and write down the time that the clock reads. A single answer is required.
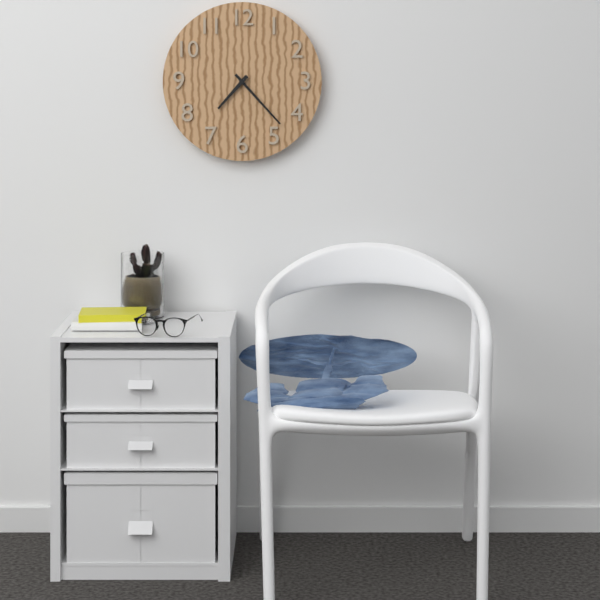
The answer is 7:23
